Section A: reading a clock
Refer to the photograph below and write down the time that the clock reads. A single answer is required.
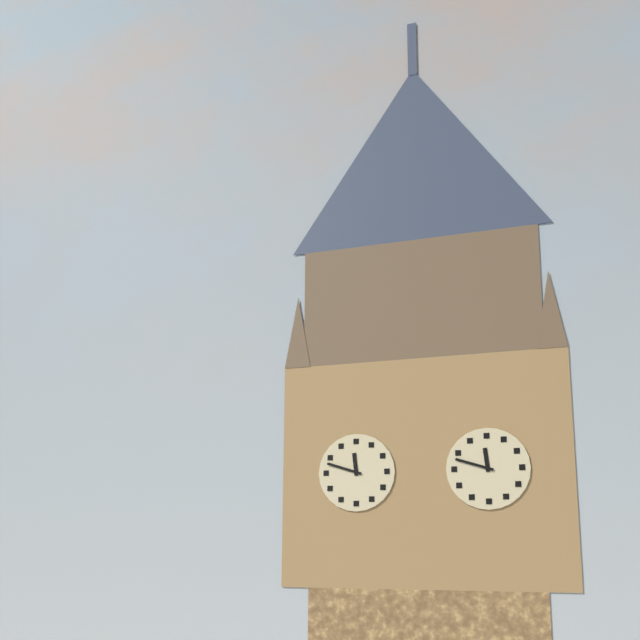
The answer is 11:48
